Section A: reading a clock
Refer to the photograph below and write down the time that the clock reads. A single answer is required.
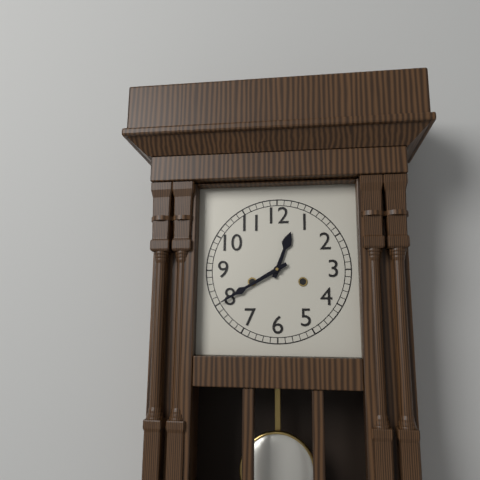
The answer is 12:40
